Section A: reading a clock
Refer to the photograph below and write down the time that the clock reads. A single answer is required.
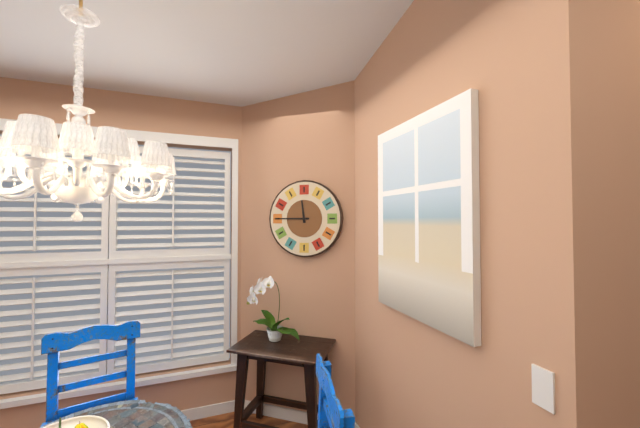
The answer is 11:45
